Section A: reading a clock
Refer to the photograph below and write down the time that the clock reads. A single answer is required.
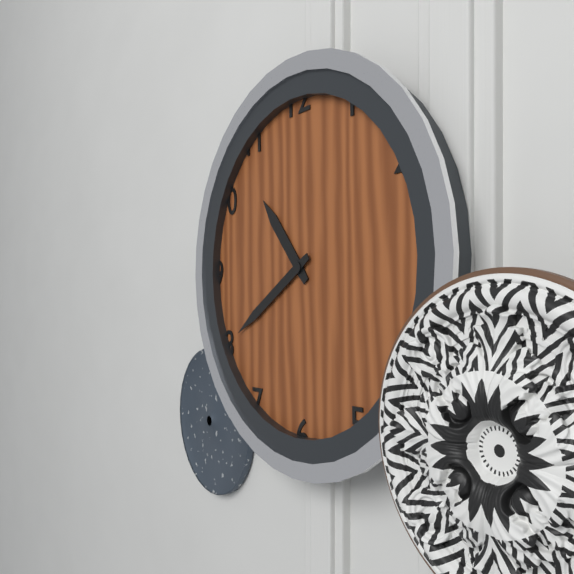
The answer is 10:40
